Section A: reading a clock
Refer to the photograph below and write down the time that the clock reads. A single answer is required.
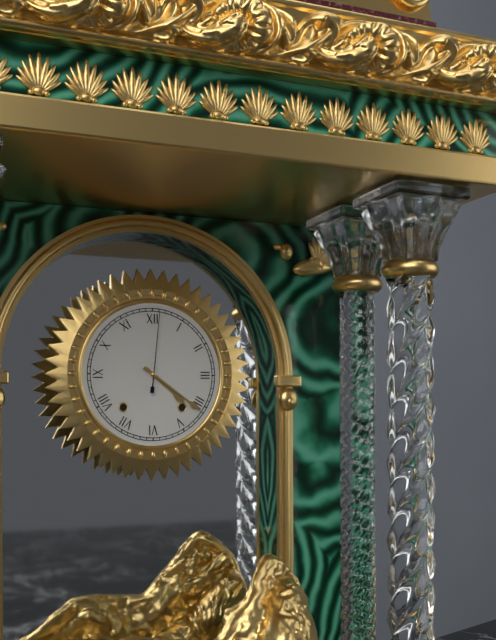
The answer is 4:21:01
